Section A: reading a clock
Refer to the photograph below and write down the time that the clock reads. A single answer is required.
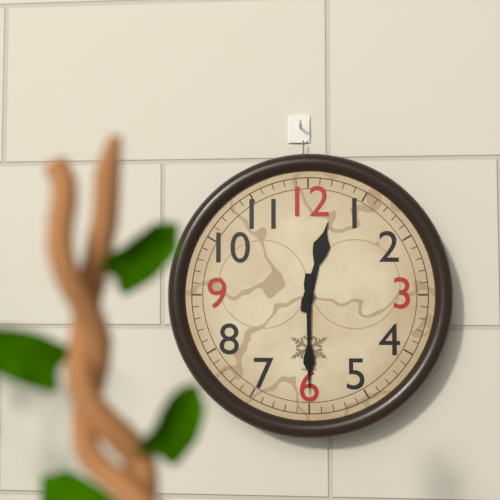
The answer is 12:30
